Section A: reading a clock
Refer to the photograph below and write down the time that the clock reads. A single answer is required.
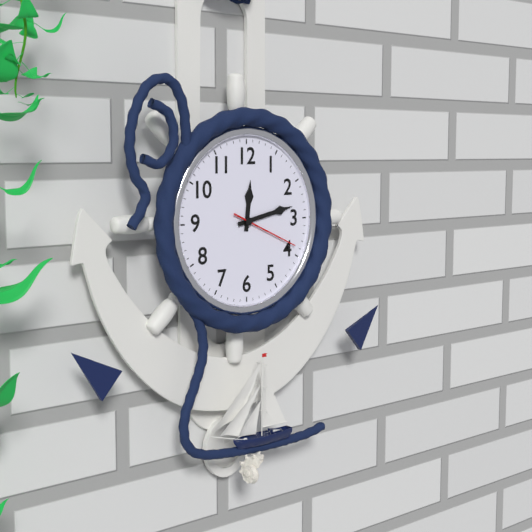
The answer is 12:13:19
